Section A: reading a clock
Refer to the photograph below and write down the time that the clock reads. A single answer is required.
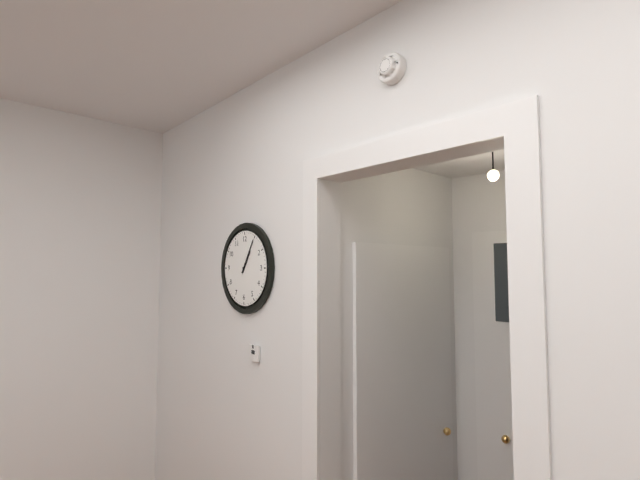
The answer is 1:05
